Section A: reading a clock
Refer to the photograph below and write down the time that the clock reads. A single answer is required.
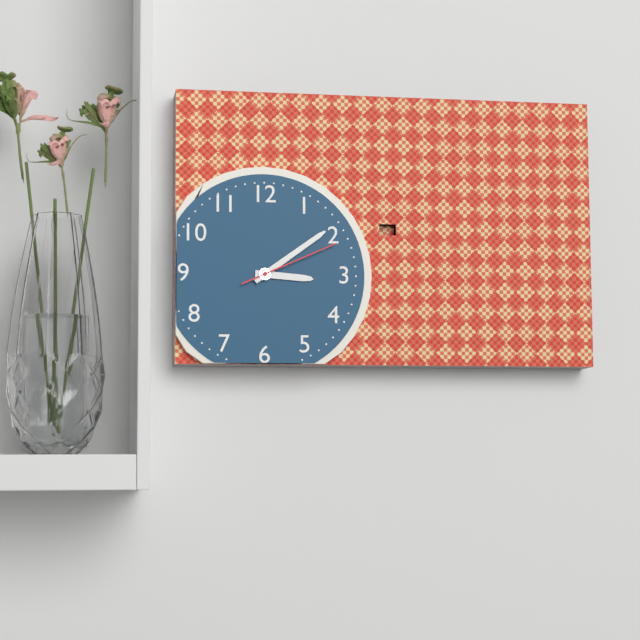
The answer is 3:09:11
